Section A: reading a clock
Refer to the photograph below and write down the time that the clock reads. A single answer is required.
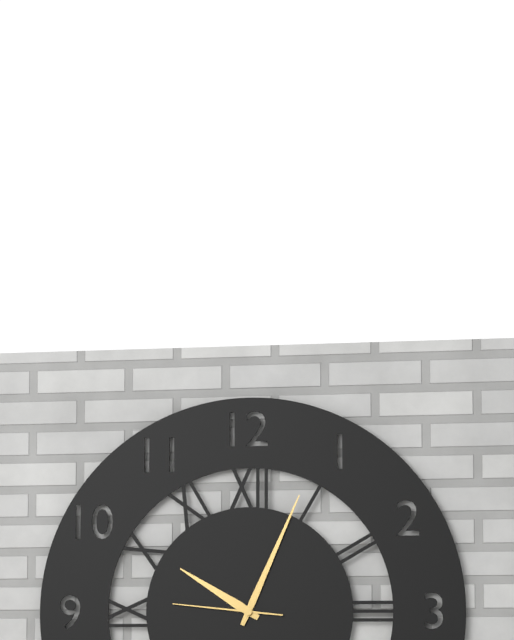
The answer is 10:04:46
